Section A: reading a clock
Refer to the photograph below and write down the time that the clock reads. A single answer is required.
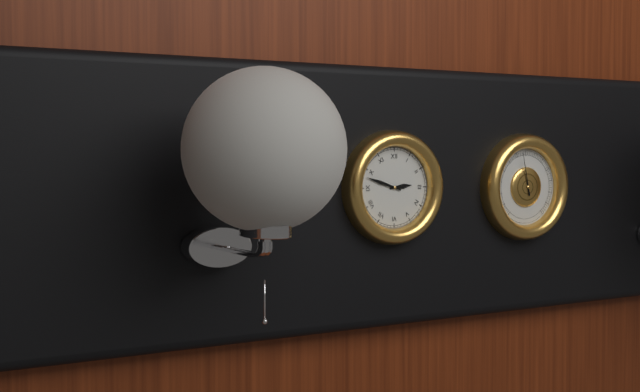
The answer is 2:48
